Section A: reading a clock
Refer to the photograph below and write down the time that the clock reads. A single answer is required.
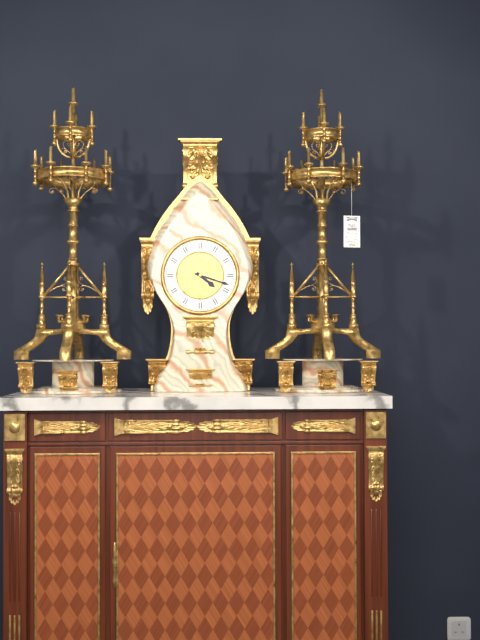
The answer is 4:18
